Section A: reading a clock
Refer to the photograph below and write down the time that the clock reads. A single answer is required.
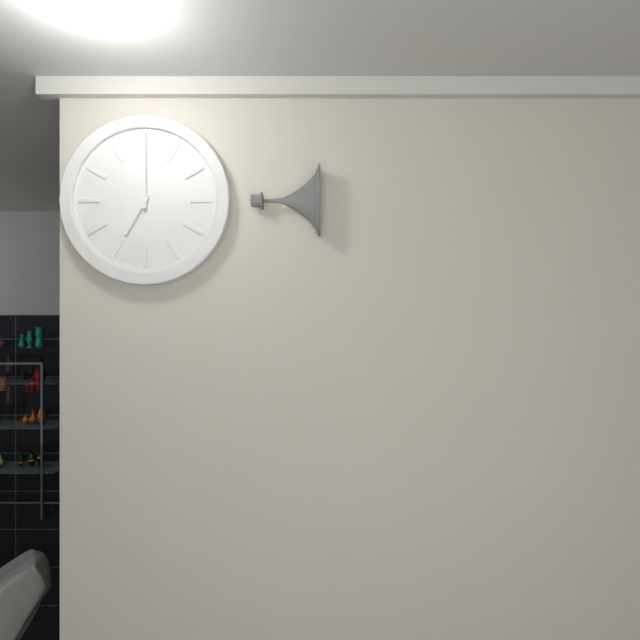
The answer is 7:00
